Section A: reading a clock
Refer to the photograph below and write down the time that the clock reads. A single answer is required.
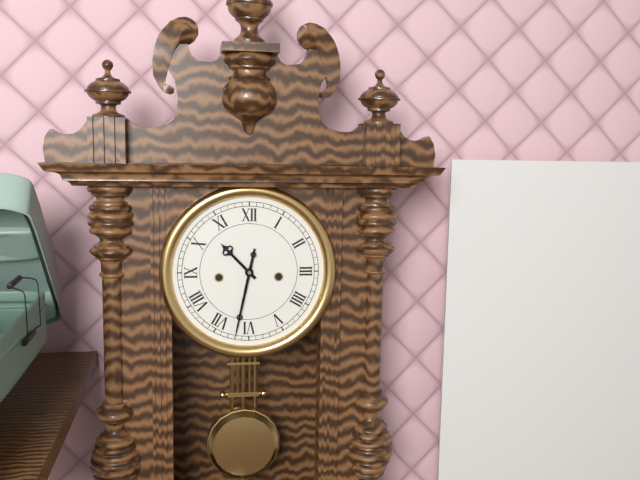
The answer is 10:32
